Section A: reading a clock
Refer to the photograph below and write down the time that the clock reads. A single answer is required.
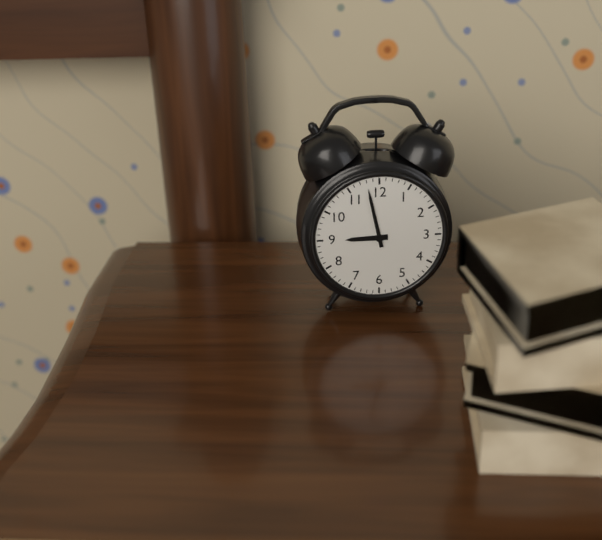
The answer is 8:58
